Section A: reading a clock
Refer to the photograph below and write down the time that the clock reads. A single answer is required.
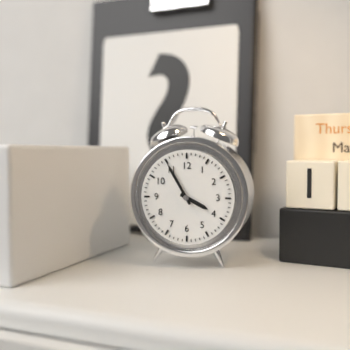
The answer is 3:55
